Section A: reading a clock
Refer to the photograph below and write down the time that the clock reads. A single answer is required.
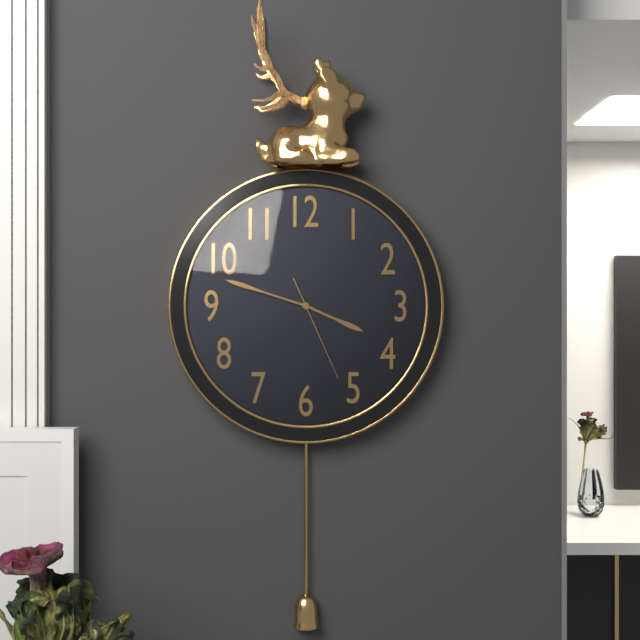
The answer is 3:48:26
